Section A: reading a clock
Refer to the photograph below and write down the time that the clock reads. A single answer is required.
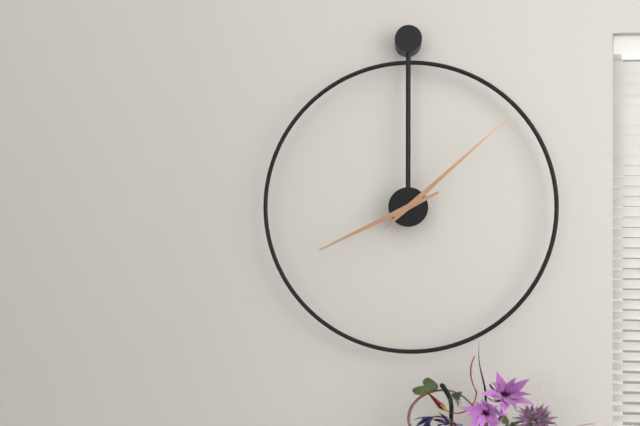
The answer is 8:08
